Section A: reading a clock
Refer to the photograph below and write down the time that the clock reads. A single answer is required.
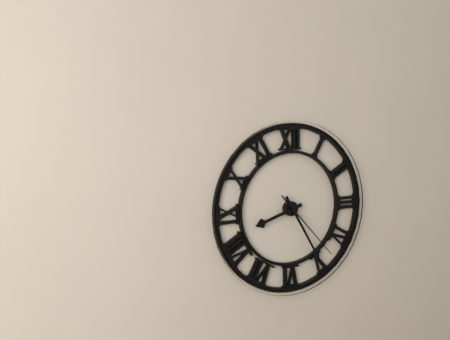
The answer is 8:25:23
